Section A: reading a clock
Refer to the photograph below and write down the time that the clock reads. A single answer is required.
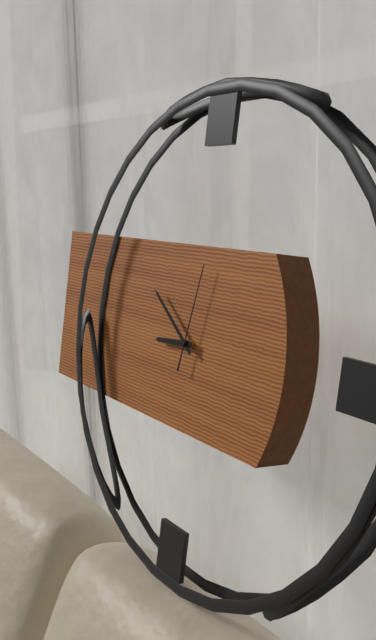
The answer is 8:51:02
